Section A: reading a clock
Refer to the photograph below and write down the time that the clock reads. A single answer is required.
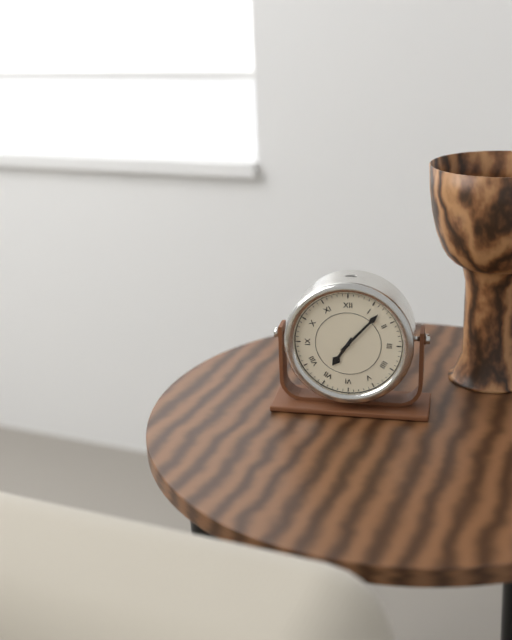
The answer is 7:07
